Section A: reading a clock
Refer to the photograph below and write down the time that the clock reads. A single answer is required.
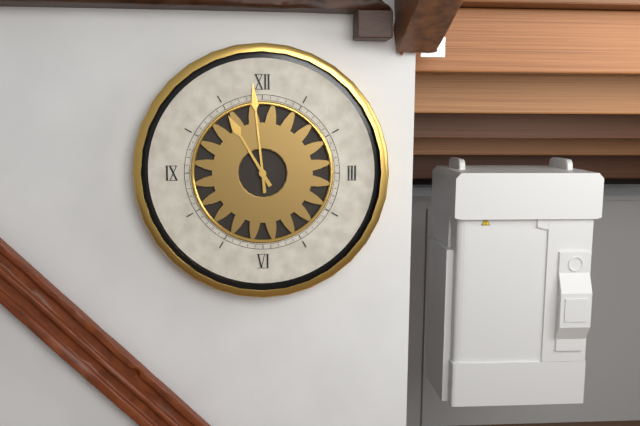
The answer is 10:59
